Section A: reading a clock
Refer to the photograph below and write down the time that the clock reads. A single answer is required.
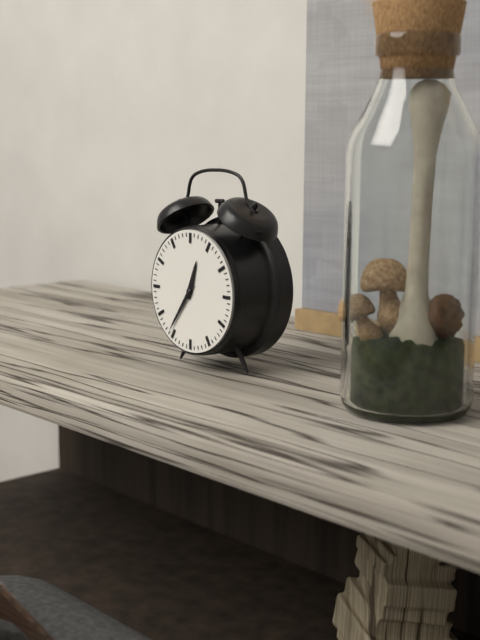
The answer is 12:36
